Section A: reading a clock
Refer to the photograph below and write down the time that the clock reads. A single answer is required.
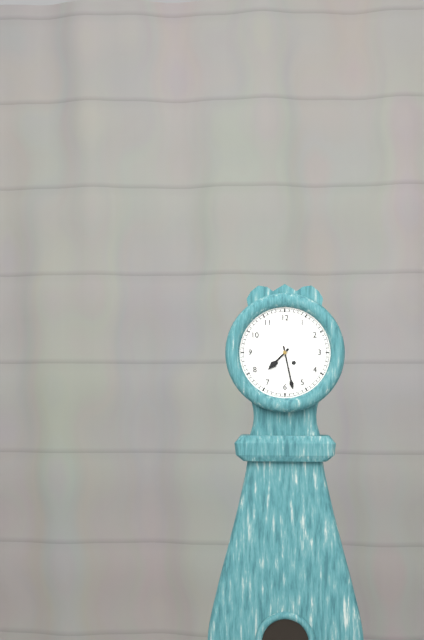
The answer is 7:28
